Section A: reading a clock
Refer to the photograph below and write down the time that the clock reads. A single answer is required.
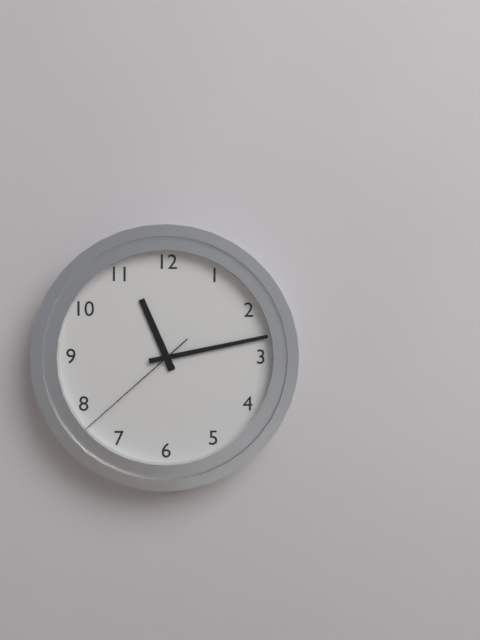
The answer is 11:13:38
